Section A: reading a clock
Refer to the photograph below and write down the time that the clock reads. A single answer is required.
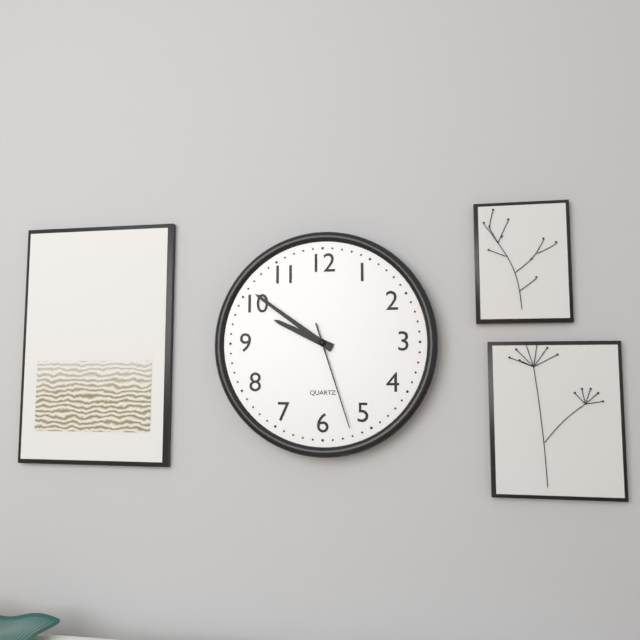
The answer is 9:51:27
